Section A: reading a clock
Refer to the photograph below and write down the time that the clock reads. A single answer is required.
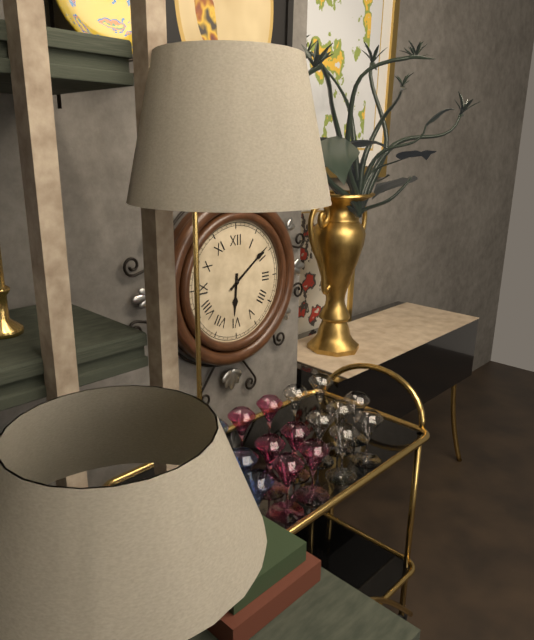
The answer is 6:09
